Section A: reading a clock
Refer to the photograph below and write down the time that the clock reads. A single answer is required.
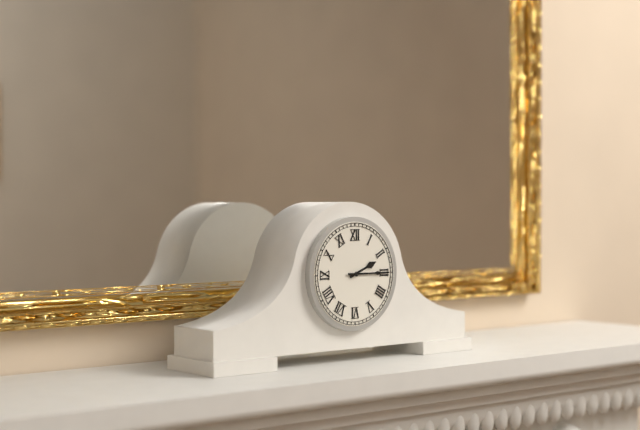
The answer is 2:15
